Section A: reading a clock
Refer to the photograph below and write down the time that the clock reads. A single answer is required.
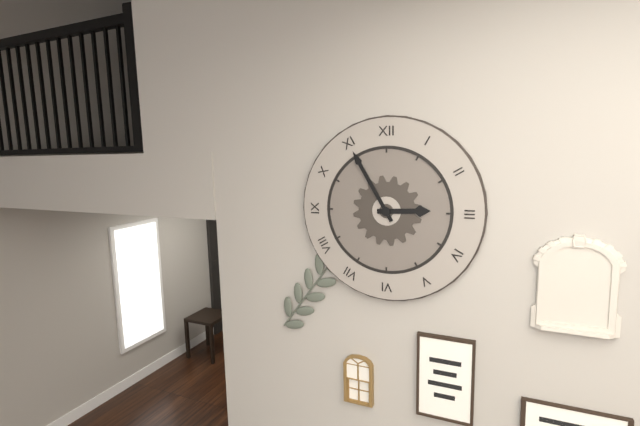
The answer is 2:55
